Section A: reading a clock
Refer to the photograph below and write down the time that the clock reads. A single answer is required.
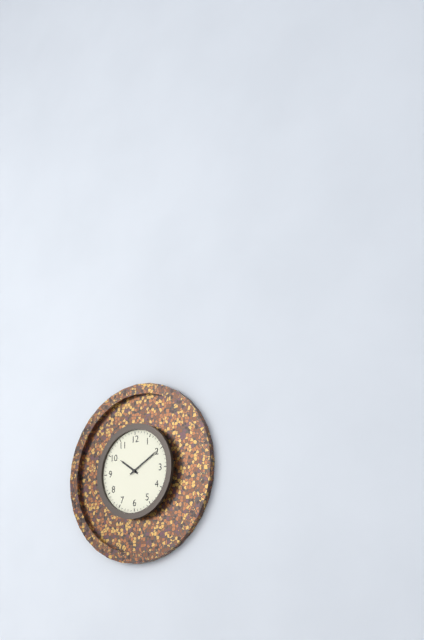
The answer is 10:10
